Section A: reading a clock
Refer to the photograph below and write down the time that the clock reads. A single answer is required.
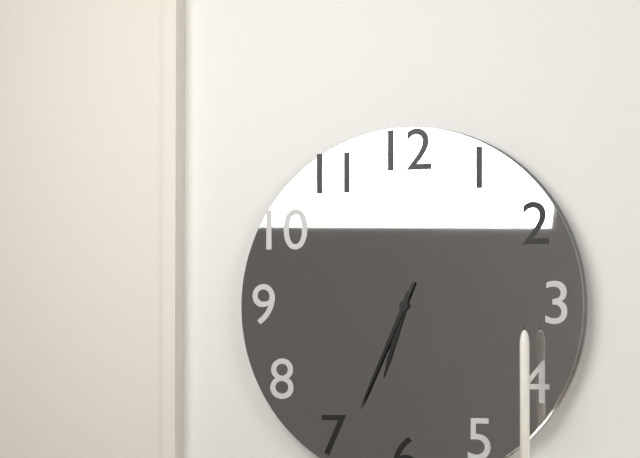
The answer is 6:34
